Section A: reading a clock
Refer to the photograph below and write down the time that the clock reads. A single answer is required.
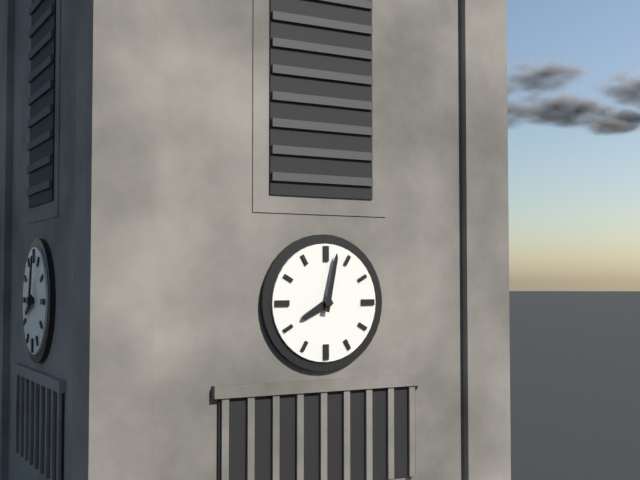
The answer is 8:02
